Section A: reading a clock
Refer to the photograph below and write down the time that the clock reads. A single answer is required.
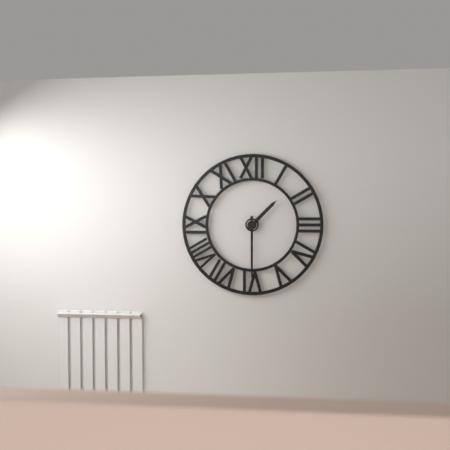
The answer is 1:30
